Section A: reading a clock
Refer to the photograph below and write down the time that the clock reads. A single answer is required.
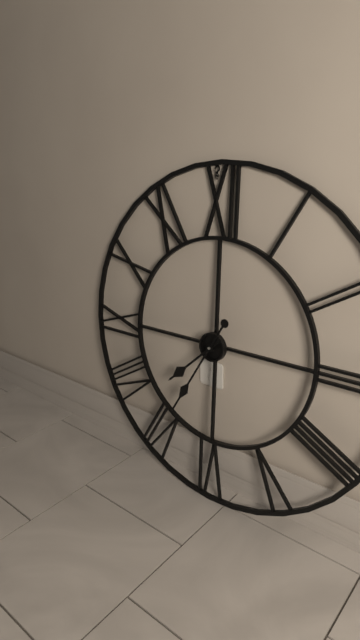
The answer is 7:35
